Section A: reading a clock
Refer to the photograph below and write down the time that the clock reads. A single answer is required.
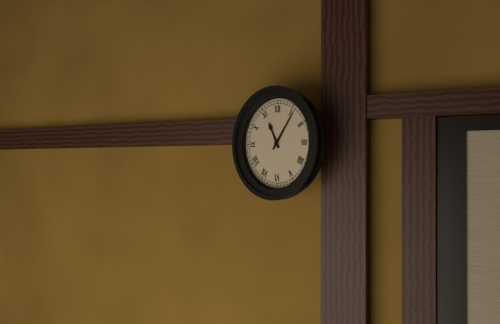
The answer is 11:06
